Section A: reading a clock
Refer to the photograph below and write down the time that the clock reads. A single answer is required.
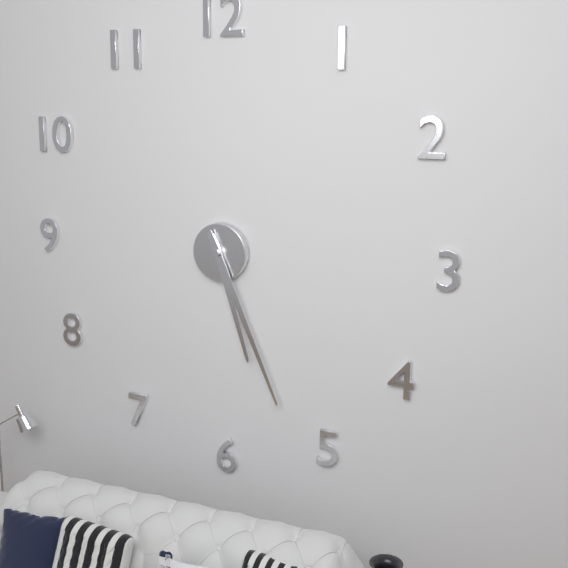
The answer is 5:26
